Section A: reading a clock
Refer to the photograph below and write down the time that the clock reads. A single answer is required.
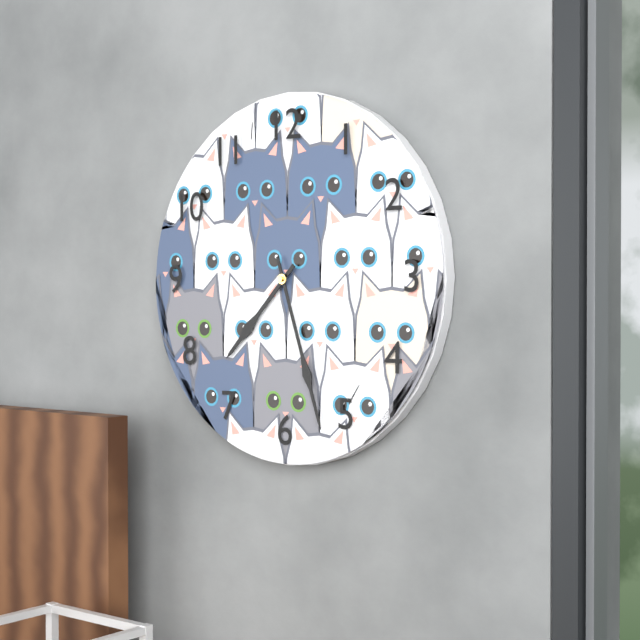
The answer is 7:27
